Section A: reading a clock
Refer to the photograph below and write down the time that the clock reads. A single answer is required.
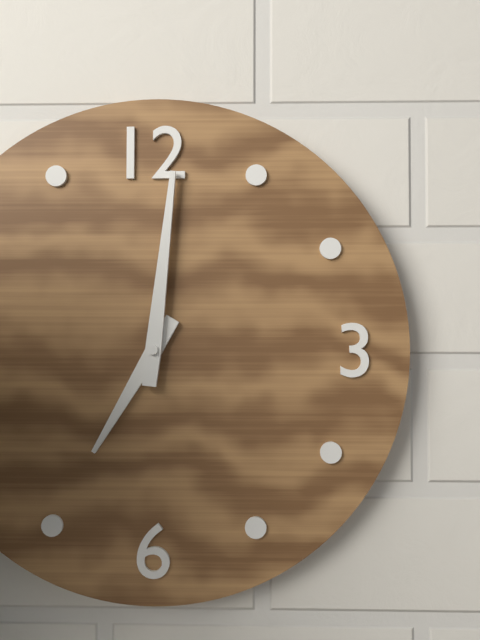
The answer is 7:01
